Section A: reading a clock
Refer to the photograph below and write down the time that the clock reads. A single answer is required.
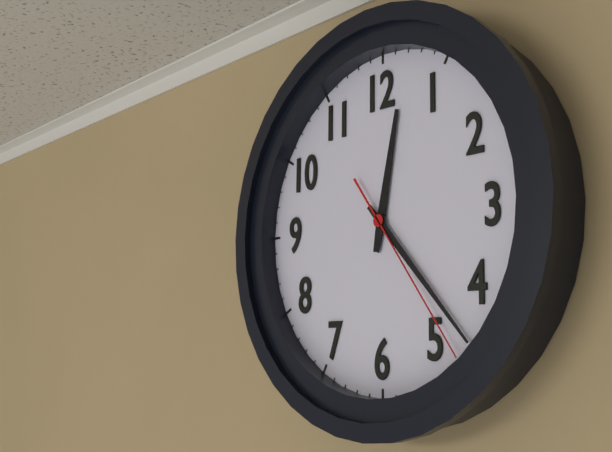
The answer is 12:23:24
